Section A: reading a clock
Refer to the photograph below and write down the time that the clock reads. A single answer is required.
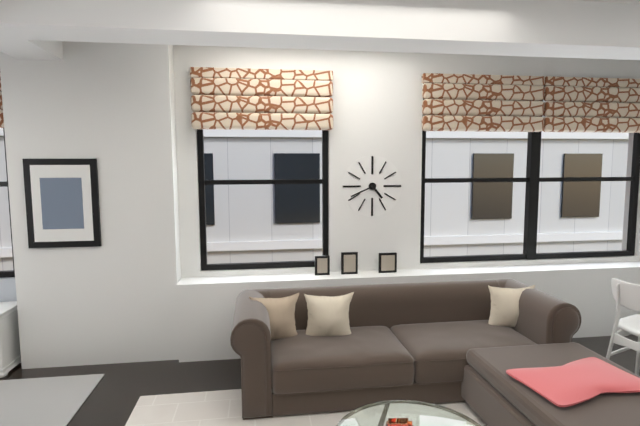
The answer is 4:41
